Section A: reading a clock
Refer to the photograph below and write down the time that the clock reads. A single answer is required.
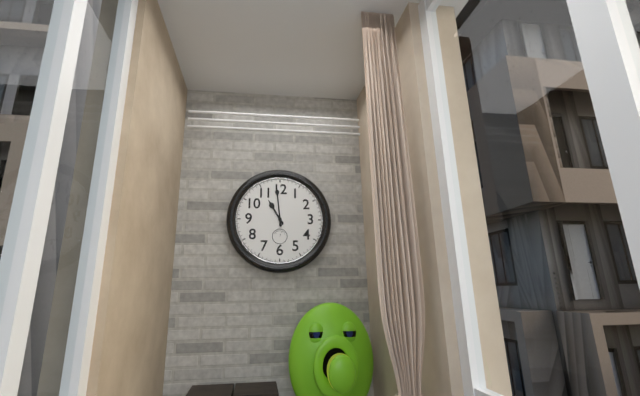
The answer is 10:59
